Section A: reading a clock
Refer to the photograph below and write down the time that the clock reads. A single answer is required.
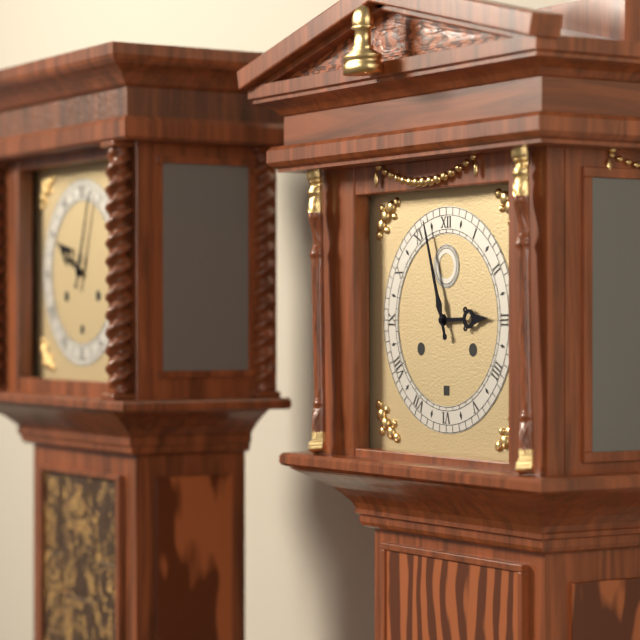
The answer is 2:57
